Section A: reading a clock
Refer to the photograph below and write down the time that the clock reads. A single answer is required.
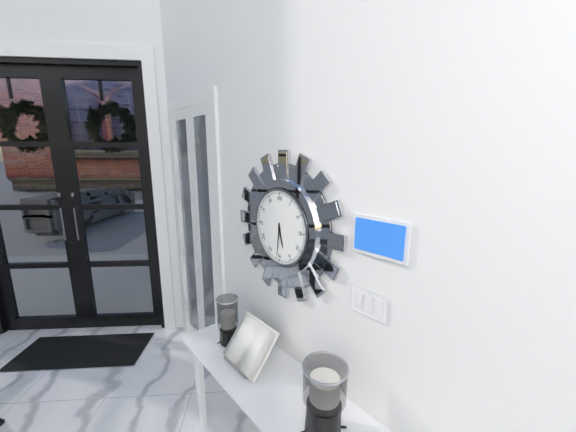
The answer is 5:31
